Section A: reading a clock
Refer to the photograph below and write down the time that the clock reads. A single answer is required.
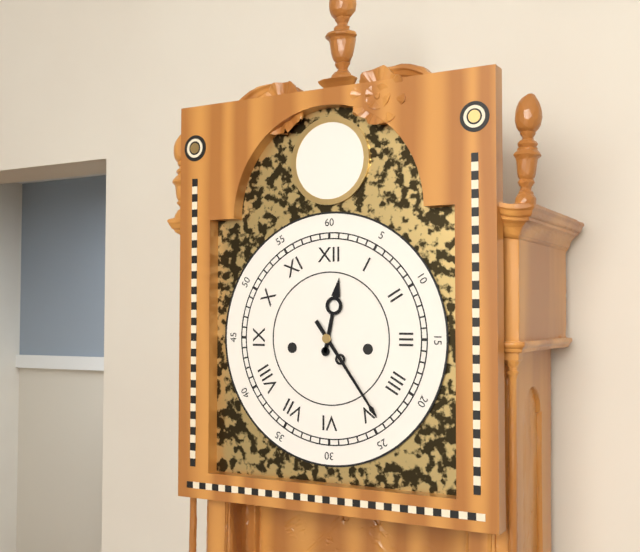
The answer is 12:24
